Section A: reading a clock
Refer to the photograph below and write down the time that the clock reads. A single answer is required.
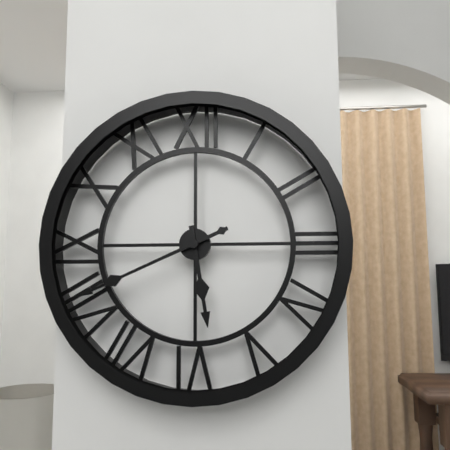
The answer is 5:41
